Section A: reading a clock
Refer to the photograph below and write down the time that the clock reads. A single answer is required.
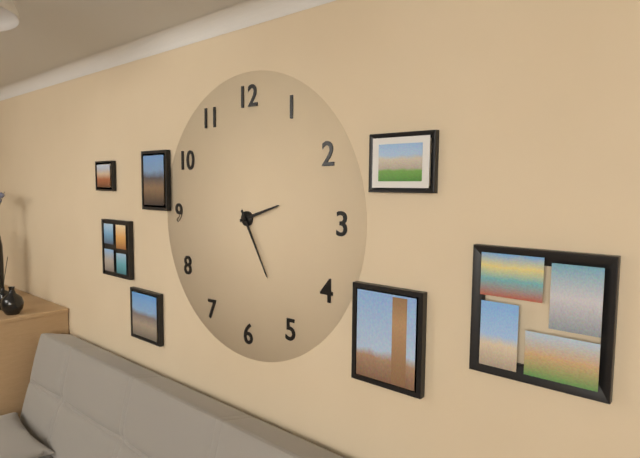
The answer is 2:25
